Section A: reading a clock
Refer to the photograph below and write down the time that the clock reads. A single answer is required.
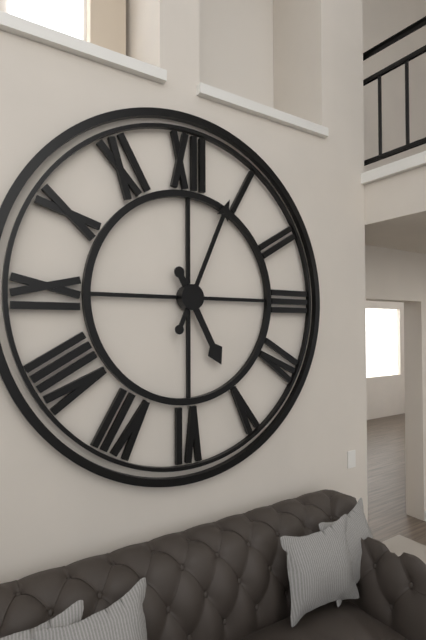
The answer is 5:04
